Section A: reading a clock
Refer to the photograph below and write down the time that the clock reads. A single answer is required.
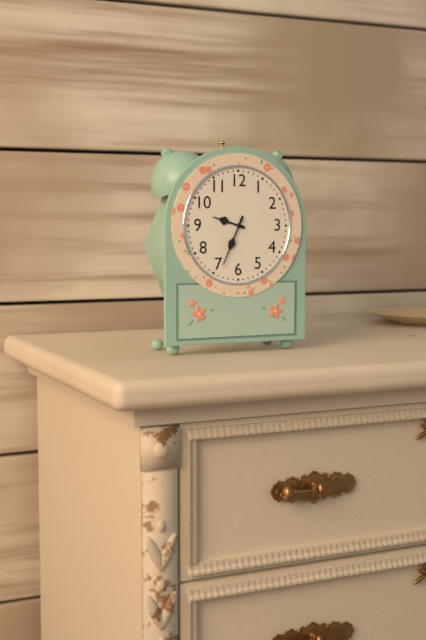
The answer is 9:34
